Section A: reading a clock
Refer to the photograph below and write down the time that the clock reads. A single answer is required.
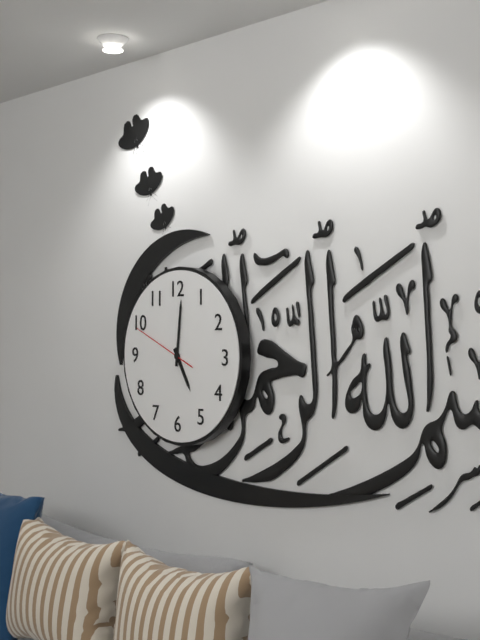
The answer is 5:01:49
